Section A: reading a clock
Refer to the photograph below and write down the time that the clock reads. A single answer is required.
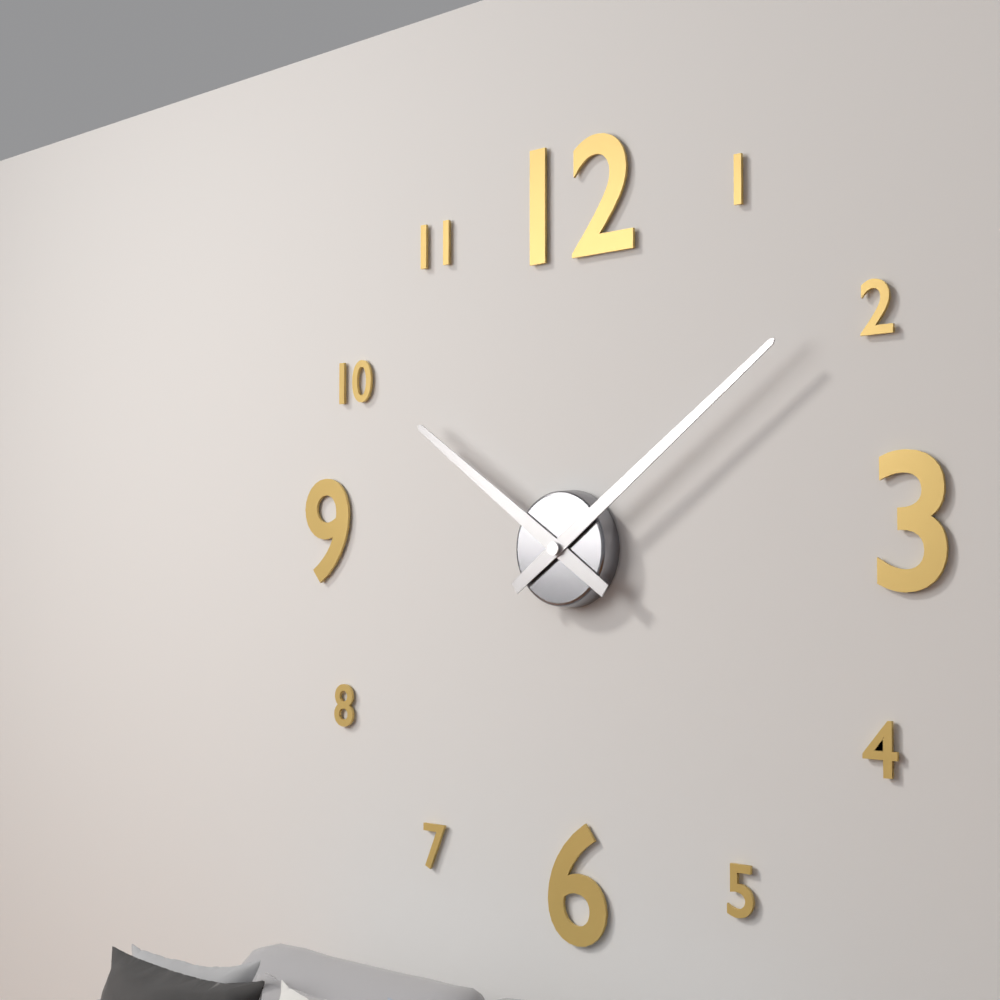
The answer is 10:09
